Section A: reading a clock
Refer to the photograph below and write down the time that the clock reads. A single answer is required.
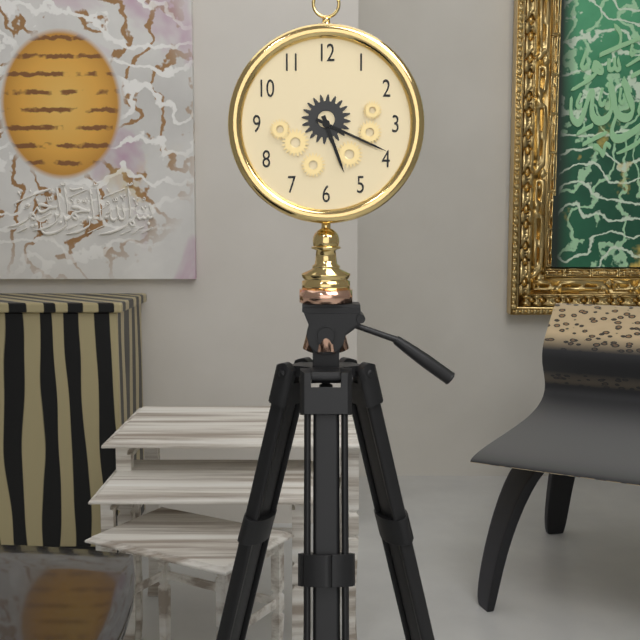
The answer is 5:19
